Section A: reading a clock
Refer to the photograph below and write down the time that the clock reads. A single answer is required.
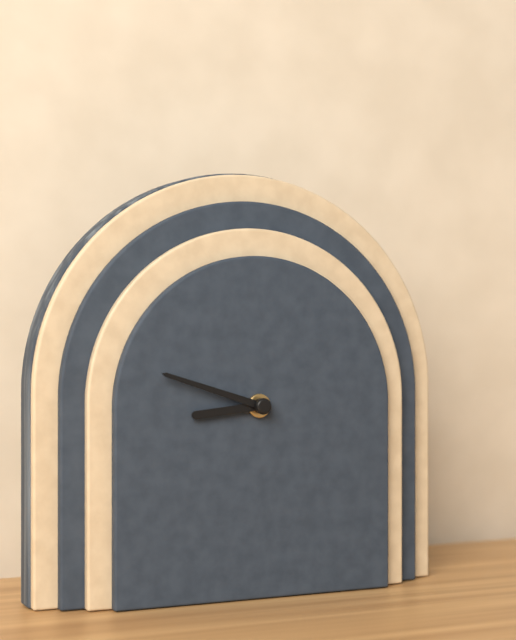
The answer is 8:48
